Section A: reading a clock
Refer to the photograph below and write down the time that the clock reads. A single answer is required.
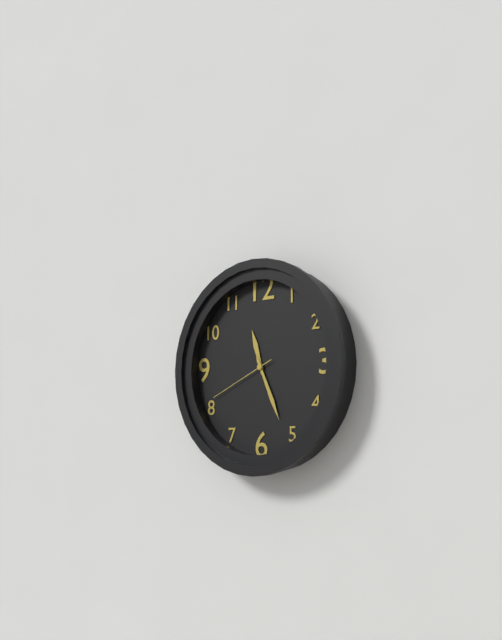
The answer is 11:26:41
